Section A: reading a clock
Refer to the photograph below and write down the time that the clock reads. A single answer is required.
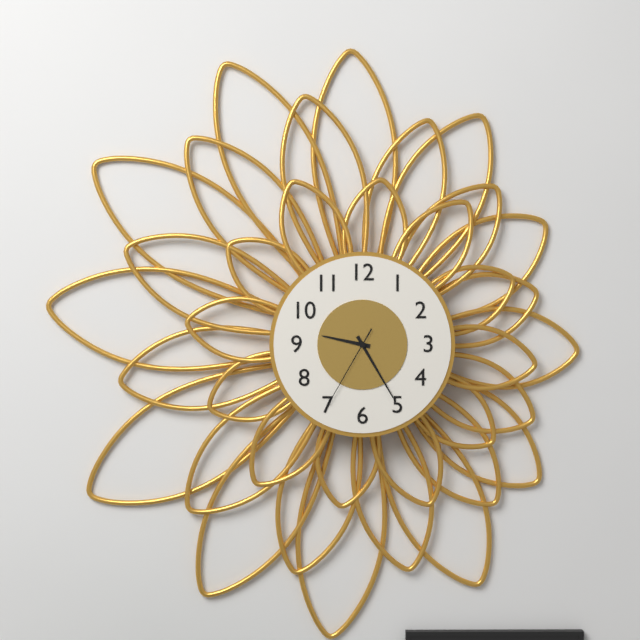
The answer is 9:25:35
